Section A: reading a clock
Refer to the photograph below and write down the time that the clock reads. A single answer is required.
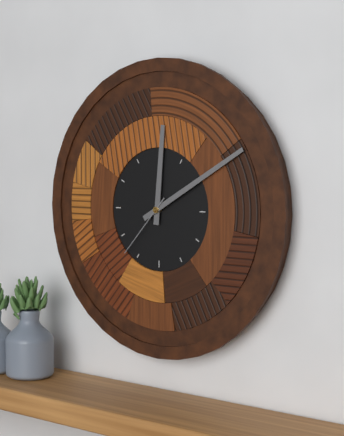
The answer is 12:10:37
